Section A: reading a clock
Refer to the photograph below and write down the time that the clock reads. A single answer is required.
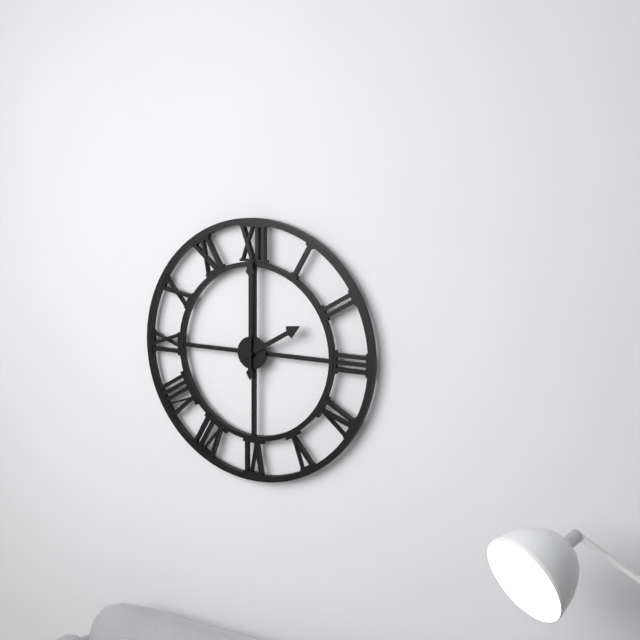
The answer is 2:00
